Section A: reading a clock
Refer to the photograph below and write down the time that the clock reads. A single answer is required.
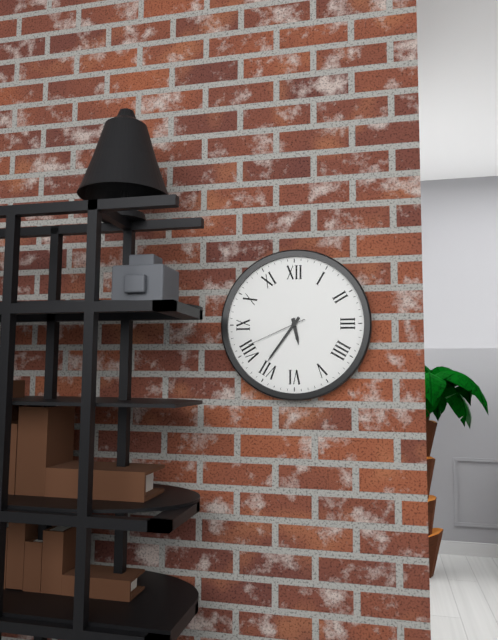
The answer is 5:36:41
